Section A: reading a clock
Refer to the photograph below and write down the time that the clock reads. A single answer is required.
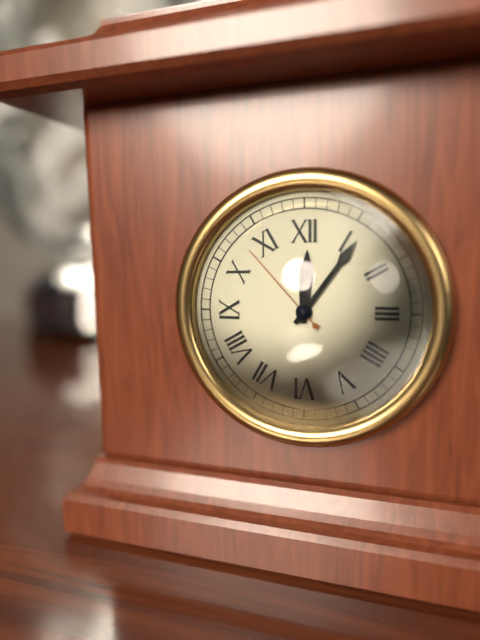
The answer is 12:06:53
